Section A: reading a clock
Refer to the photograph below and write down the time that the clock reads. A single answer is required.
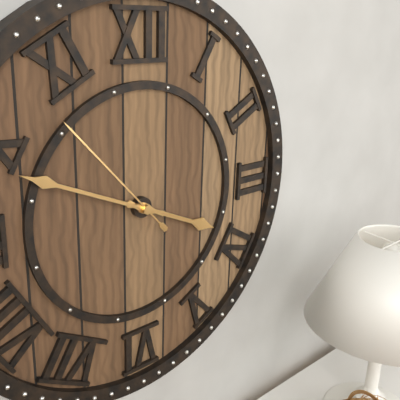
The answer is 3:49:53
